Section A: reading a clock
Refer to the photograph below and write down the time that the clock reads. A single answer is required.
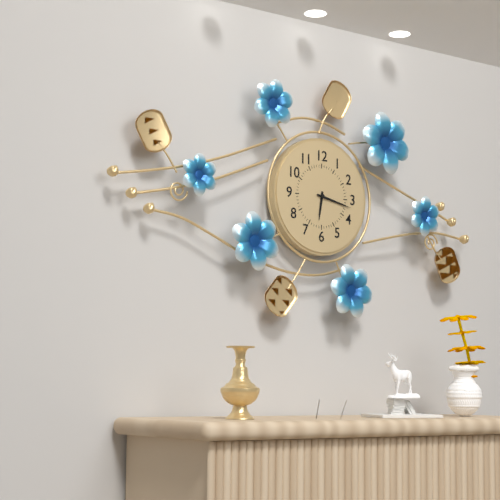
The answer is 6:17
